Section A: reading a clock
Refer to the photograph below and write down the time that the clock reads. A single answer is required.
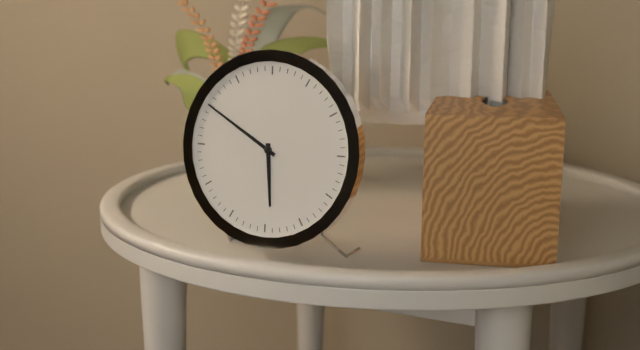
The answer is 5:50
